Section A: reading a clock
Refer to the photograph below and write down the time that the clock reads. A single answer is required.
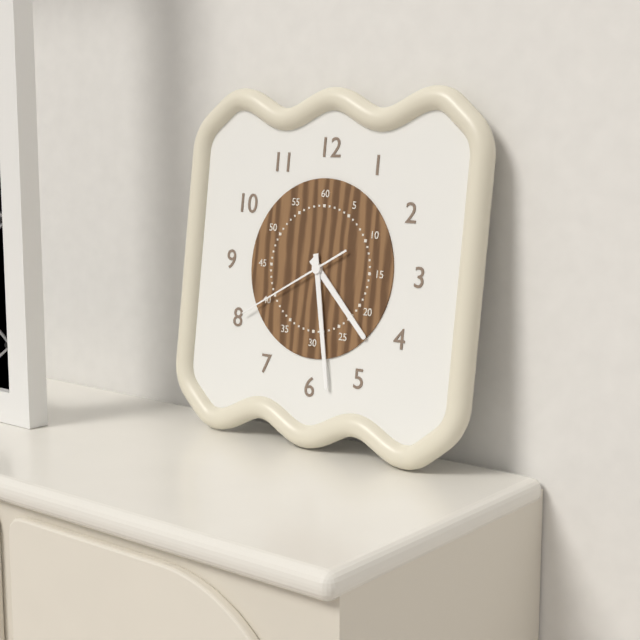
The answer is 4:28:40
